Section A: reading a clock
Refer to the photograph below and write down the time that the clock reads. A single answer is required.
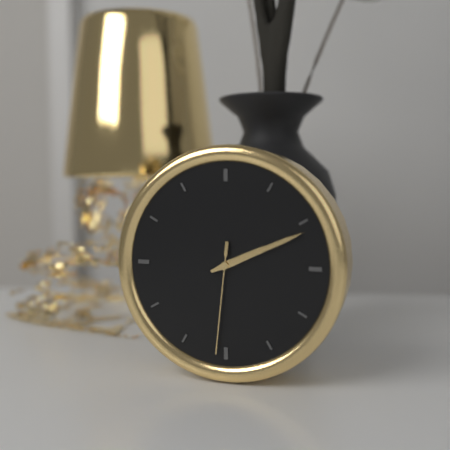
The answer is 2:11:31
